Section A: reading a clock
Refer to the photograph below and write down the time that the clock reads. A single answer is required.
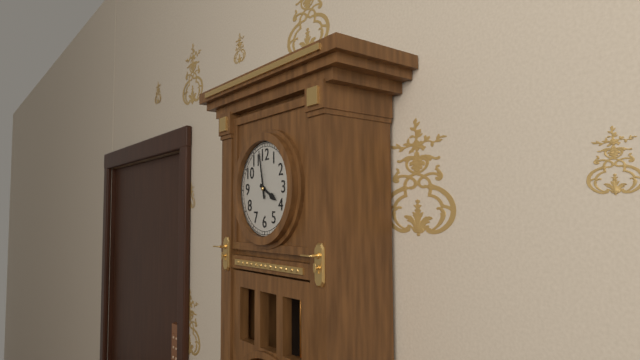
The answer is 3:58
